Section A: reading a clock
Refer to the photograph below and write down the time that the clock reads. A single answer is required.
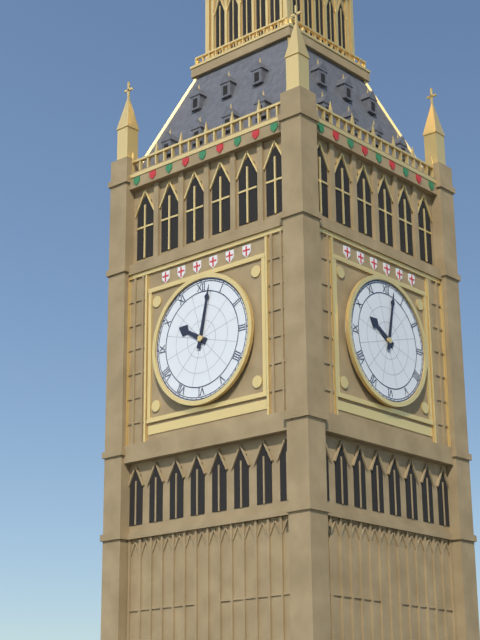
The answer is 10:02
